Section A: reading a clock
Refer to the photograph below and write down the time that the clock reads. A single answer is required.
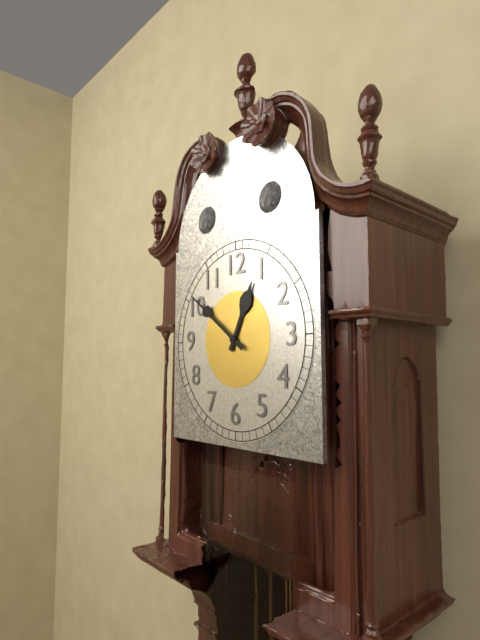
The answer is 12:51
